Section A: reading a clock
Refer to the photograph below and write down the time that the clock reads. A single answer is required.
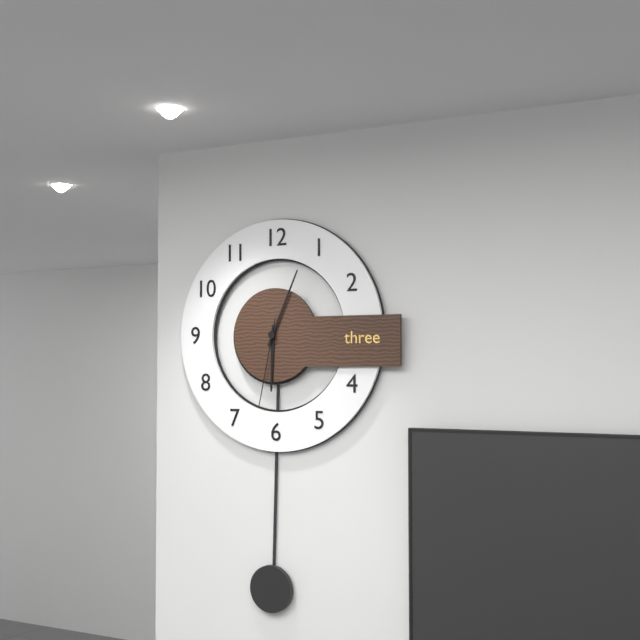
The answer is 6:04:32
